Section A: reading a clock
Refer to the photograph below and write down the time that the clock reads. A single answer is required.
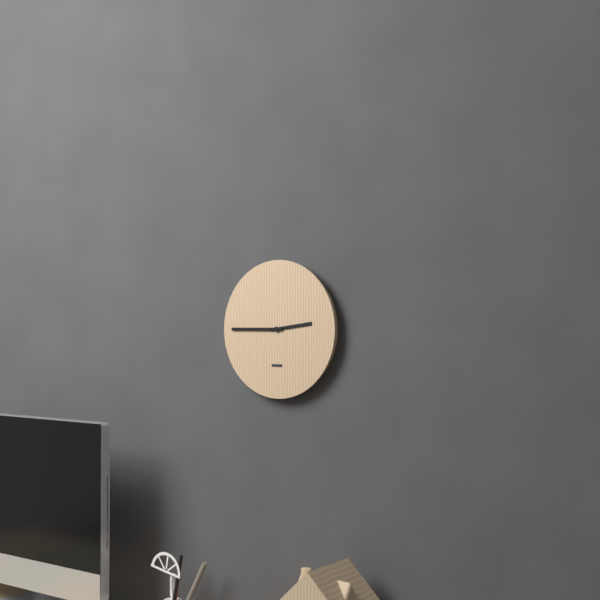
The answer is 2:45
